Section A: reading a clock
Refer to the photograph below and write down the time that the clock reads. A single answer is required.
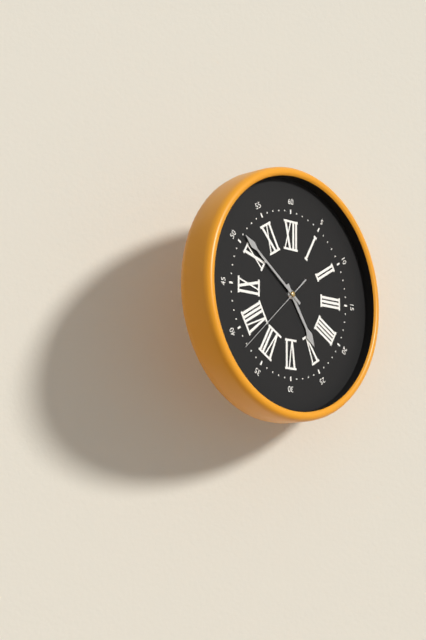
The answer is 4:51:38
